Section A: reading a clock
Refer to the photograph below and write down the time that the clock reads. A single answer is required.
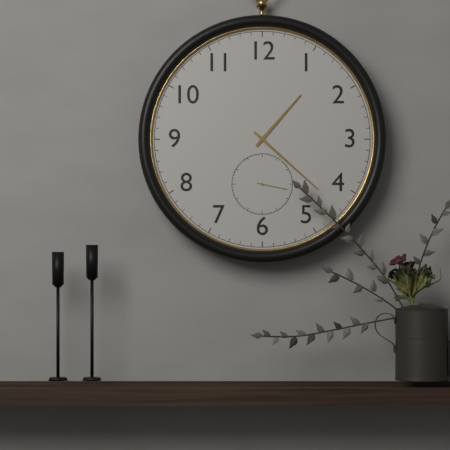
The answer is 1:22
